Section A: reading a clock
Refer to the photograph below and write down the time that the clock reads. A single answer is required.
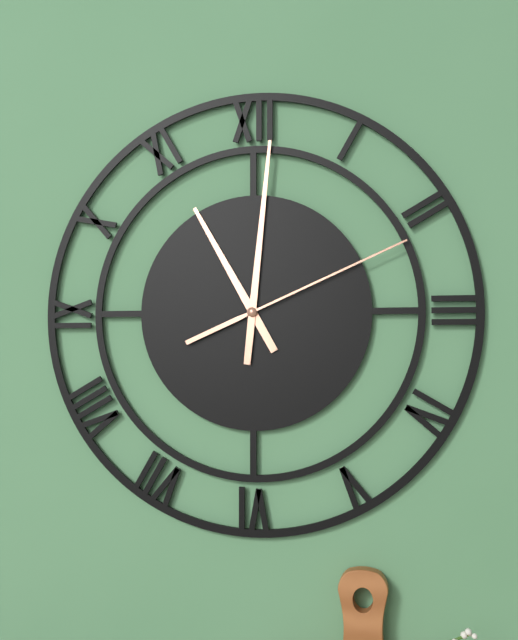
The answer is 11:01:11
